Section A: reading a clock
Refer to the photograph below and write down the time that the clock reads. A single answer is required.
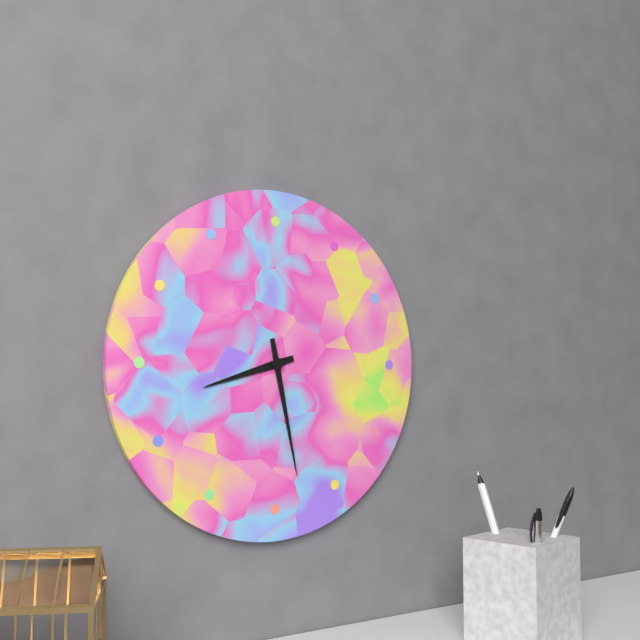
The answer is 8:28
